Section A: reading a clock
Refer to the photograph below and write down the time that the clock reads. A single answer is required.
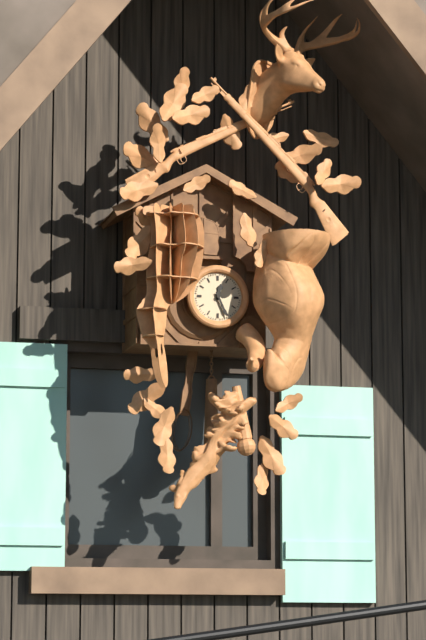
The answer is 12:26
